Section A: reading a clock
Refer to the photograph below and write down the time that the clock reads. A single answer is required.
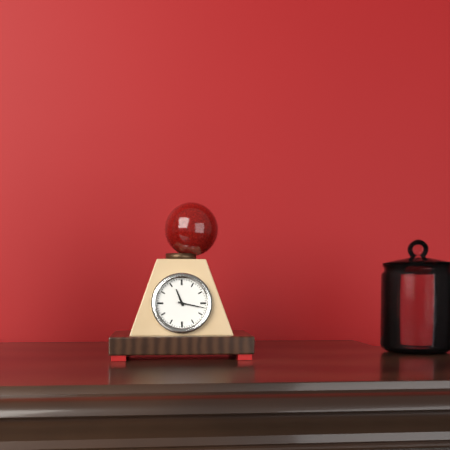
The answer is 11:17
